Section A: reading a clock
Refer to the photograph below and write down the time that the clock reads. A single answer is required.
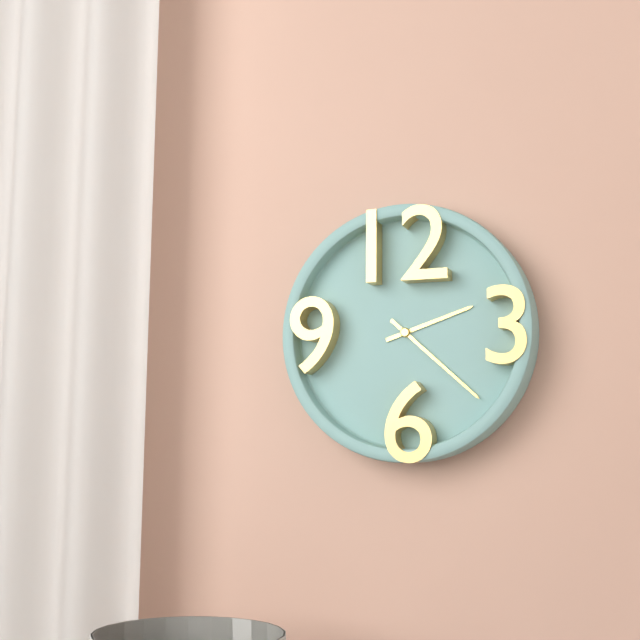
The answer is 2:22
